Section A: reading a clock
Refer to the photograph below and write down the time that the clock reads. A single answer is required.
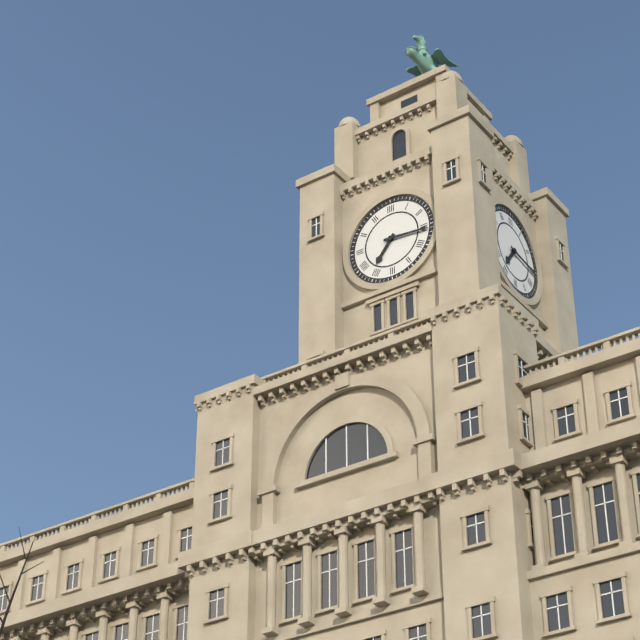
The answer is 7:16
